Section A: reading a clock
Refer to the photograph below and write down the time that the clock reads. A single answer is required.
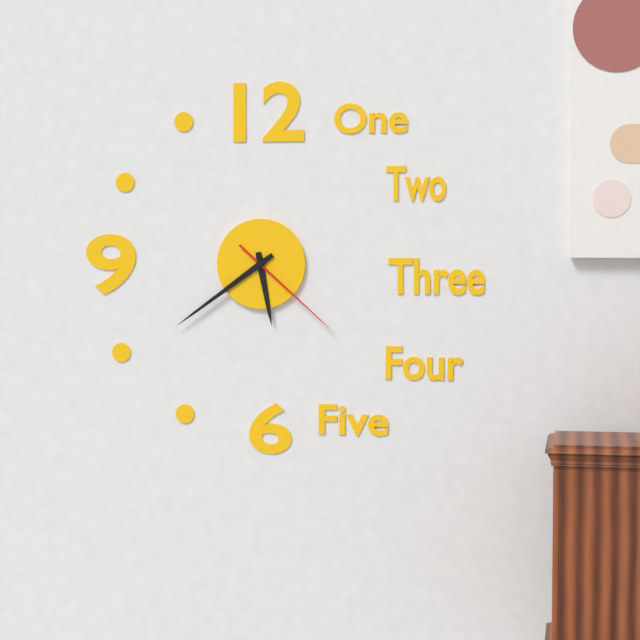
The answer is 5:39:22
